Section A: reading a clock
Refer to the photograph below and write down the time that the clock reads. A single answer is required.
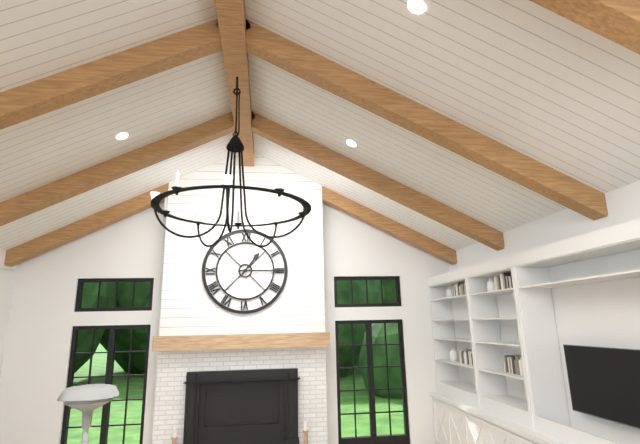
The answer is 1:15
